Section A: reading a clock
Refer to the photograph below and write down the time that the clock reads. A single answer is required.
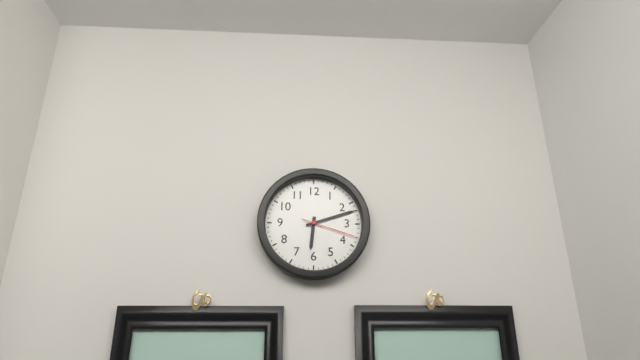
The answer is 6:12:18
